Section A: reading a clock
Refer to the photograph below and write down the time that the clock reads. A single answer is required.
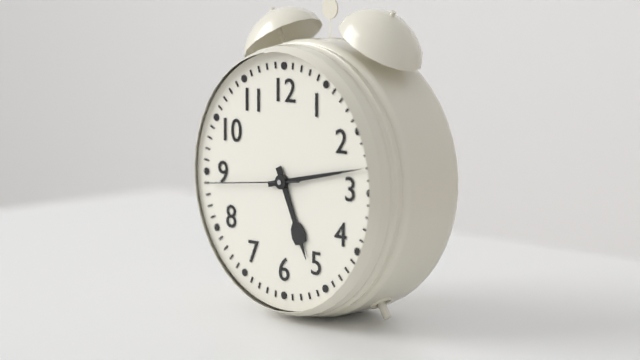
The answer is 5:13:44
